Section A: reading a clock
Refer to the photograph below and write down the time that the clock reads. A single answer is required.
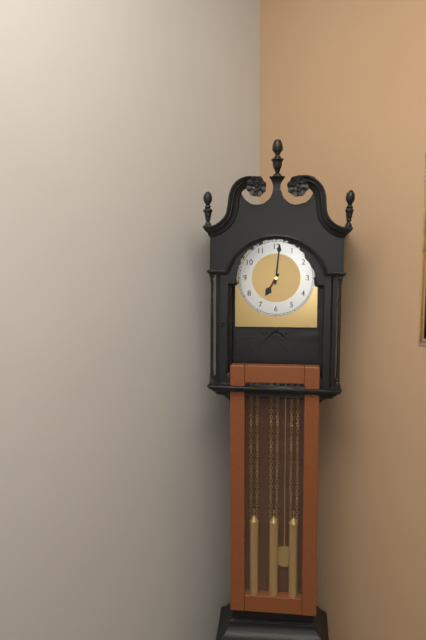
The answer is 7:01
